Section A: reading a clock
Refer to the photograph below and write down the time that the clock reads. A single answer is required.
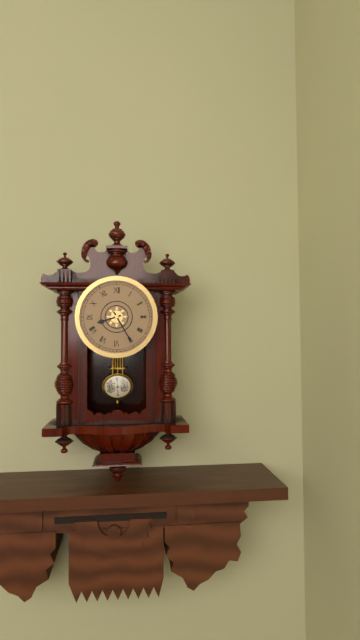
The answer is 8:25
